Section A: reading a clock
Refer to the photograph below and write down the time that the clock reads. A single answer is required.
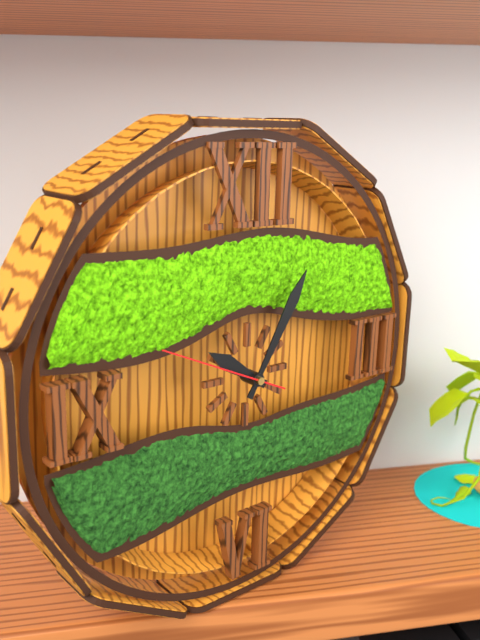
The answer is 10:05:49
